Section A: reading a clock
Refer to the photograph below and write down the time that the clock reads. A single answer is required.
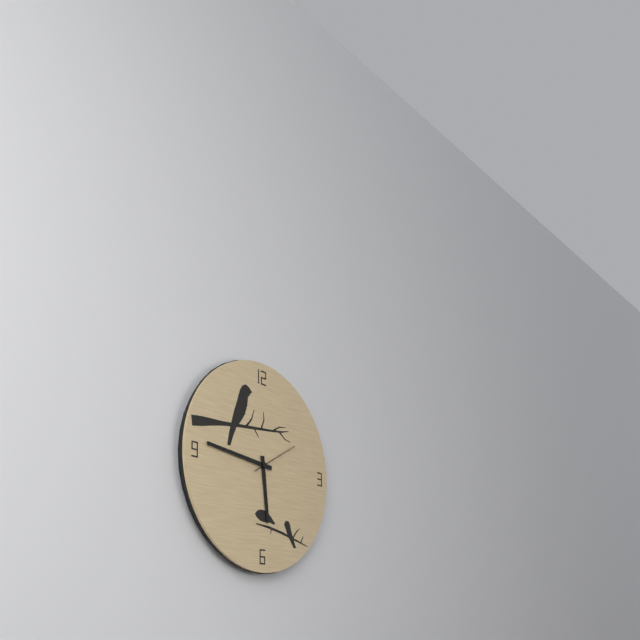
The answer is 5:46:10
